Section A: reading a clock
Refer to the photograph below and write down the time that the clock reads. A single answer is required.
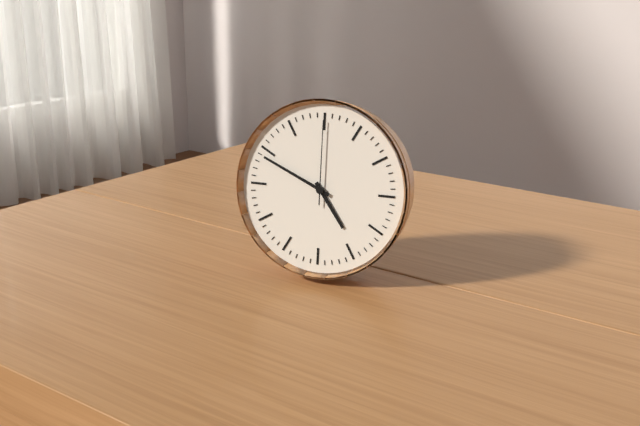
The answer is 4:49:00
